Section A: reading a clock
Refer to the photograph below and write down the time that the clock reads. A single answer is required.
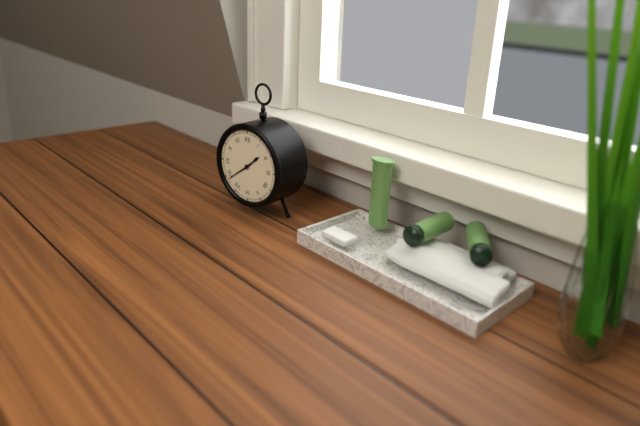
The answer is 1:39
